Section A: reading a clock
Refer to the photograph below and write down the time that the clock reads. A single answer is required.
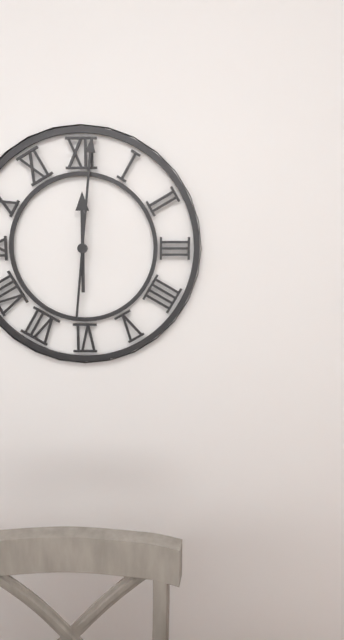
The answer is 12:01
